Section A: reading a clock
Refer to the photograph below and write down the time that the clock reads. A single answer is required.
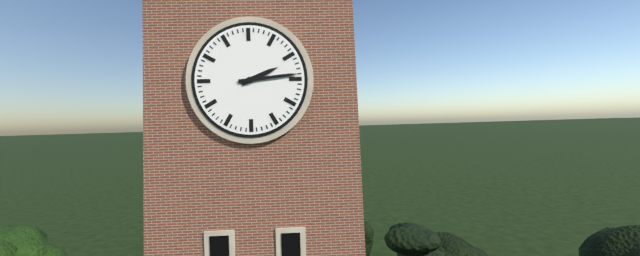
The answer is 2:14
